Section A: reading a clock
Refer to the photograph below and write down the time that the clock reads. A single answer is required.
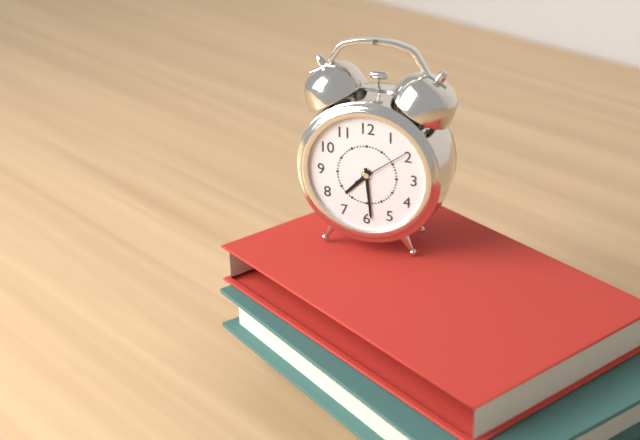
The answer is 7:29:09
